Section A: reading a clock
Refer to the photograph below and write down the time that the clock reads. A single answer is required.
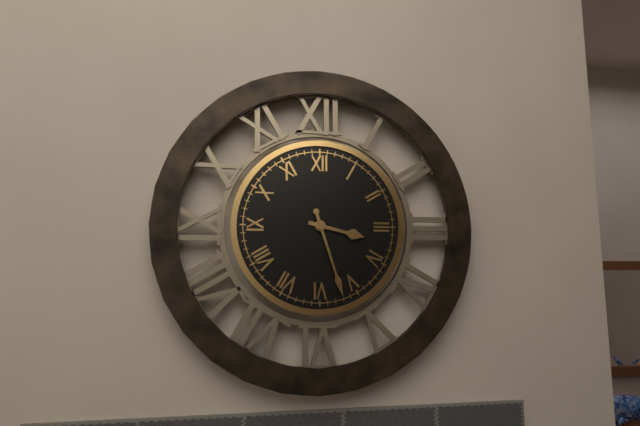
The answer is 3:27
